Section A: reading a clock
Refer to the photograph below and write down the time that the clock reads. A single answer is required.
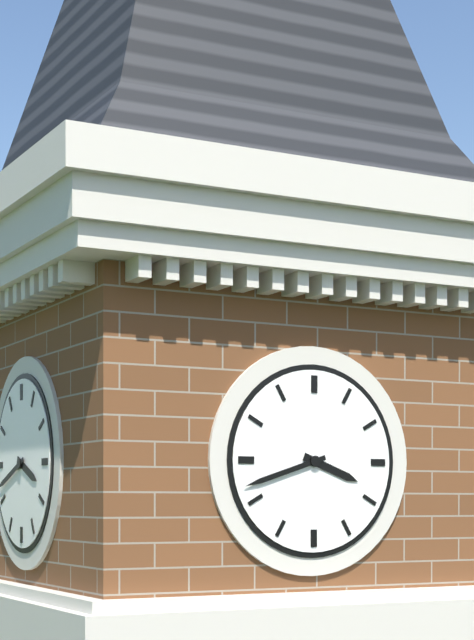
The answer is 3:42
